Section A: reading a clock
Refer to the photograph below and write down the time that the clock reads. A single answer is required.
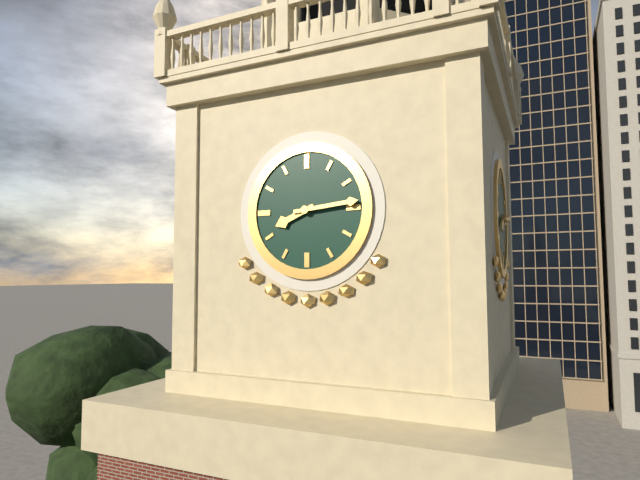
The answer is 8:14
